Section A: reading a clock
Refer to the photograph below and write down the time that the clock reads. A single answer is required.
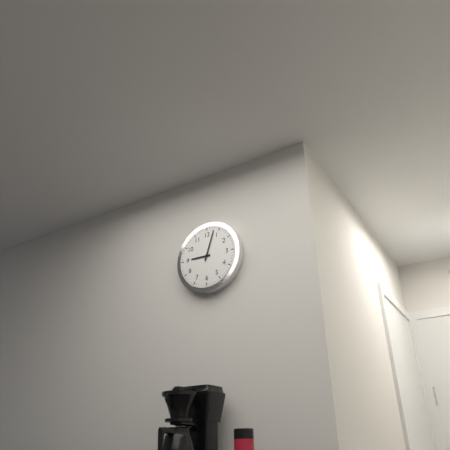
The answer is 9:03
